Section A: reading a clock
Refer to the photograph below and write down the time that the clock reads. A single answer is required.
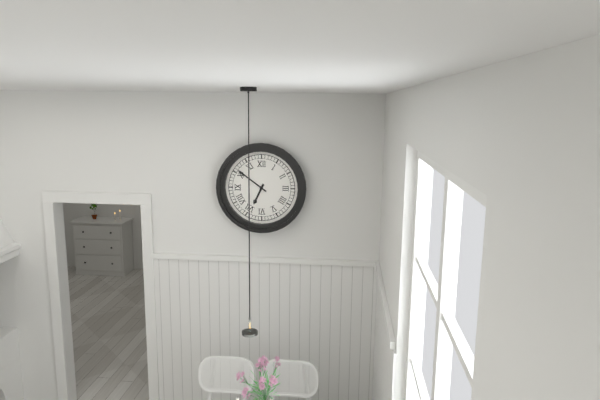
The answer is 6:51
